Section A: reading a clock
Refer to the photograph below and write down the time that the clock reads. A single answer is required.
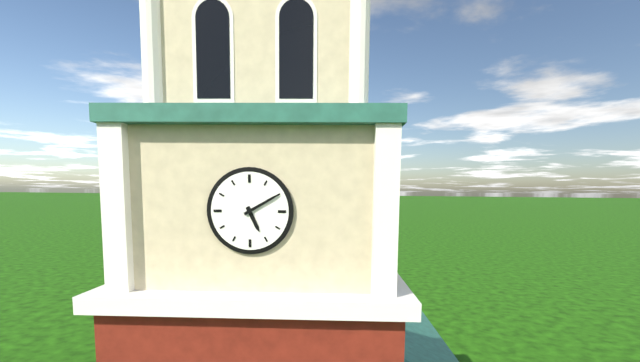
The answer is 5:10
